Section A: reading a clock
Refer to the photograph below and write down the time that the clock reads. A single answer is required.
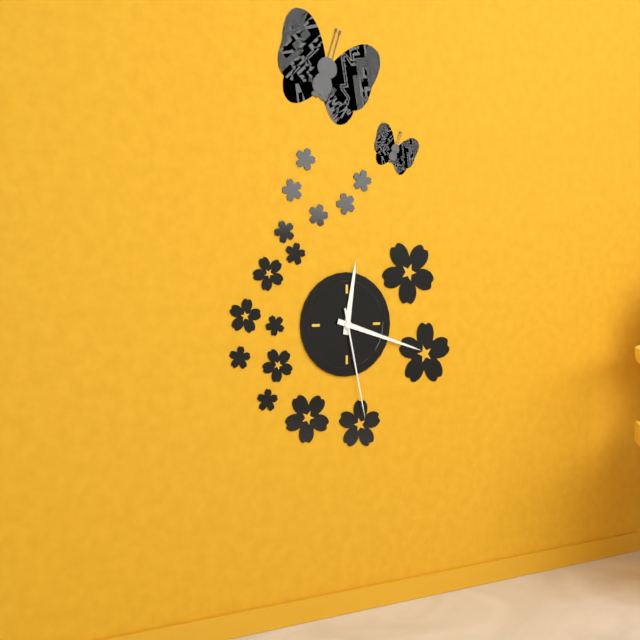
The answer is 12:18:28
